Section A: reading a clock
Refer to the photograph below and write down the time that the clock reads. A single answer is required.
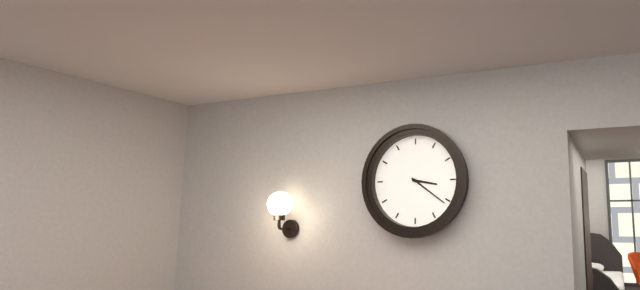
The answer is 3:21
